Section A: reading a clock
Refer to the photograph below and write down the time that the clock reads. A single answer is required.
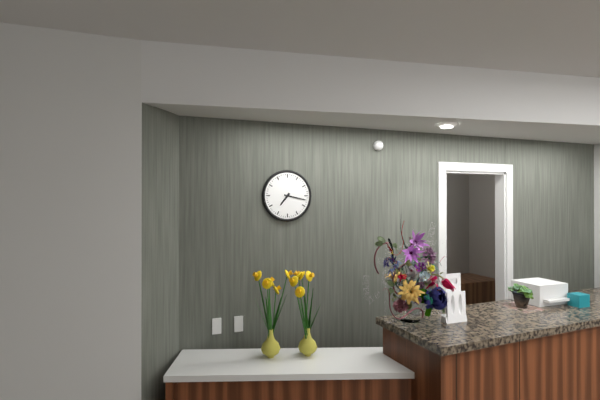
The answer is 7:17
